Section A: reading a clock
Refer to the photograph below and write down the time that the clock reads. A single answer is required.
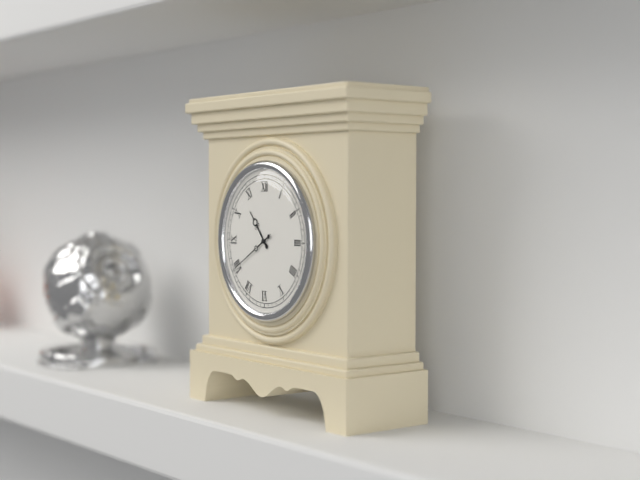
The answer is 10:40:40
